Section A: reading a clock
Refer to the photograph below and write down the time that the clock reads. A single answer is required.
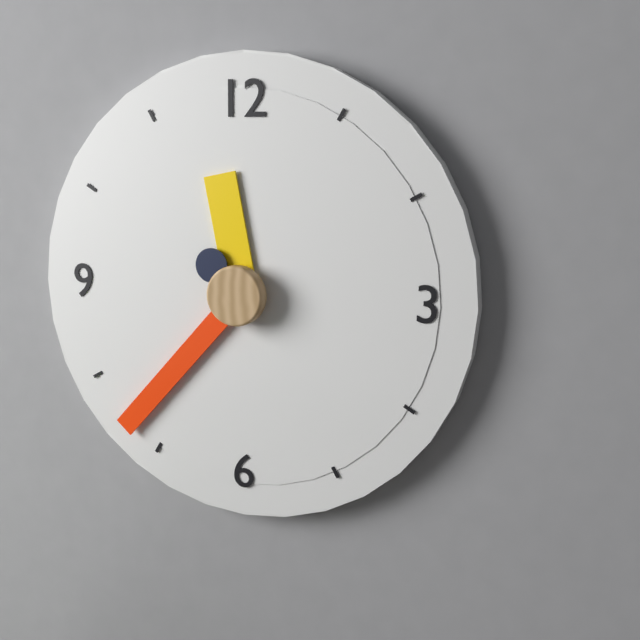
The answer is 11:37:52
